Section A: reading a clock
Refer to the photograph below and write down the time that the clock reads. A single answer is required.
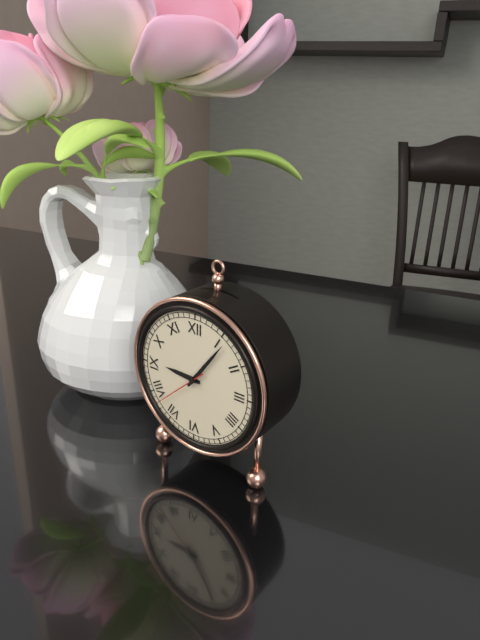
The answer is 9:06:38
